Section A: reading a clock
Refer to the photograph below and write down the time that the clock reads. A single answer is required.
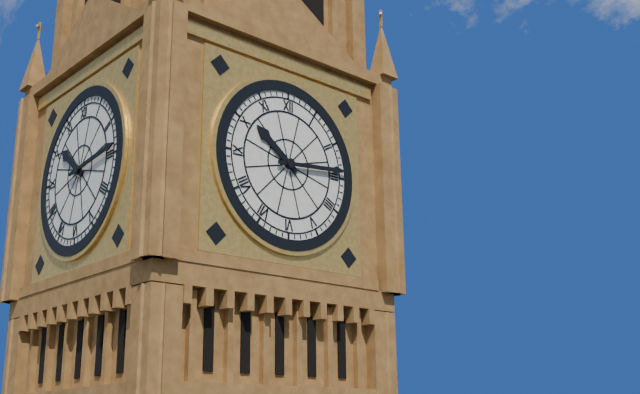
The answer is 10:14
